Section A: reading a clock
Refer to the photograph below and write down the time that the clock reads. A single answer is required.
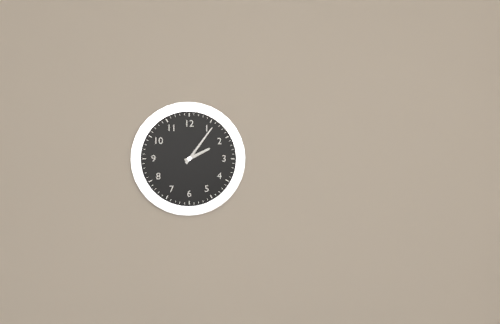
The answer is 2:06
